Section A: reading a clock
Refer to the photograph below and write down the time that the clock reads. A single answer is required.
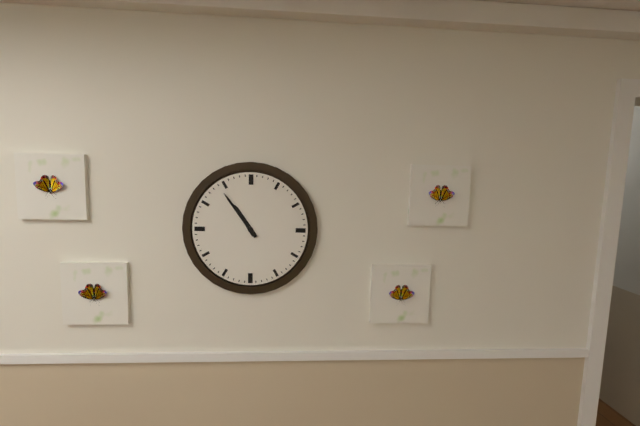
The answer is 10:54
